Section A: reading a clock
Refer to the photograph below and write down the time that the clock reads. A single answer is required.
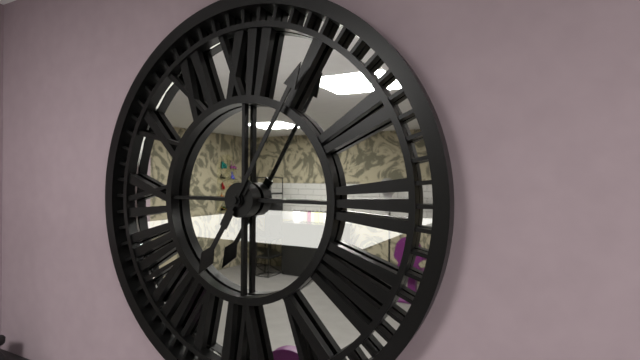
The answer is 7:05
